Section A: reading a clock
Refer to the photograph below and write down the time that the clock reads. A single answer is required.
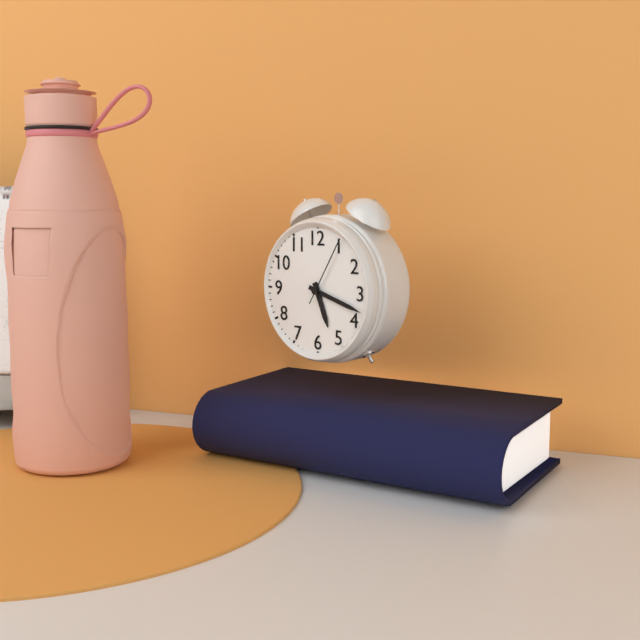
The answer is 5:18:05
